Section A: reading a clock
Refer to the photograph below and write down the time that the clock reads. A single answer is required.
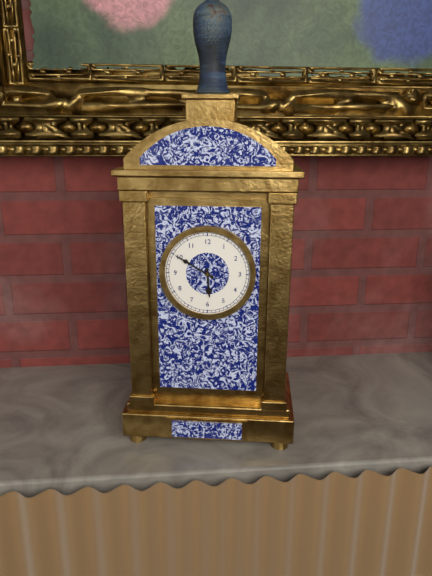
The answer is 5:50
